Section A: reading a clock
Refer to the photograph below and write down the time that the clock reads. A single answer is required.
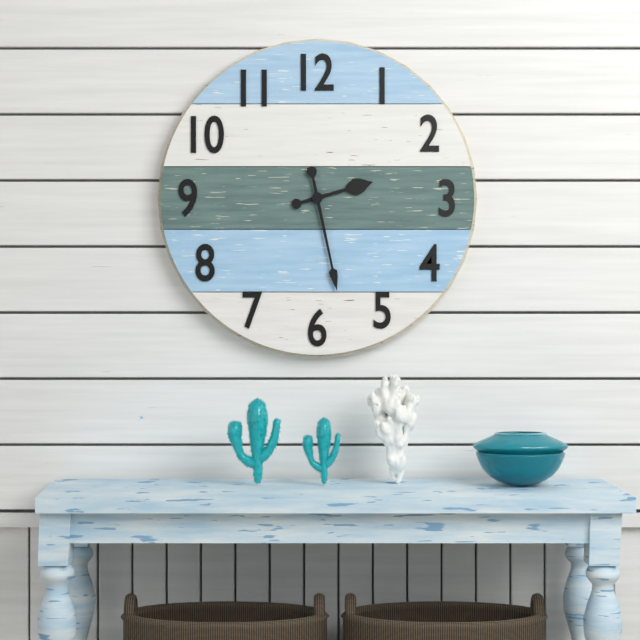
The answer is 2:28
